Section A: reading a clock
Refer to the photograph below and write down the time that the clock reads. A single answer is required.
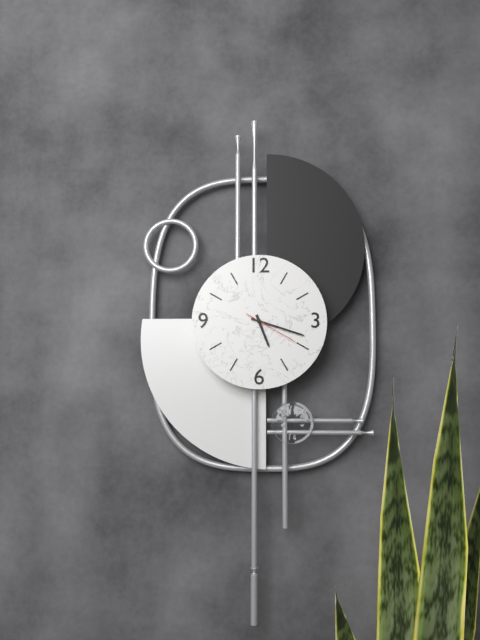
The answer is 5:18:20
